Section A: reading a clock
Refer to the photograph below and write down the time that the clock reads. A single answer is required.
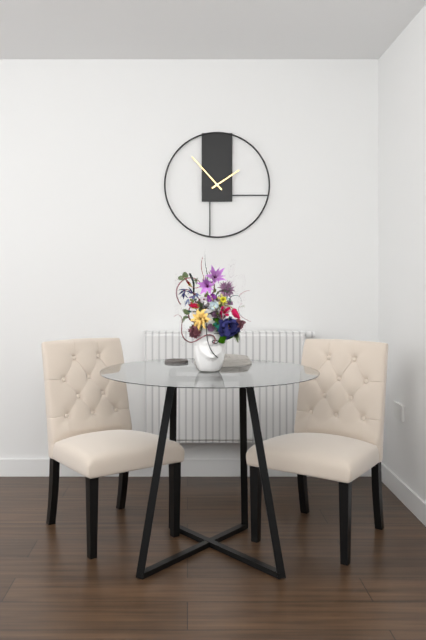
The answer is 1:53
